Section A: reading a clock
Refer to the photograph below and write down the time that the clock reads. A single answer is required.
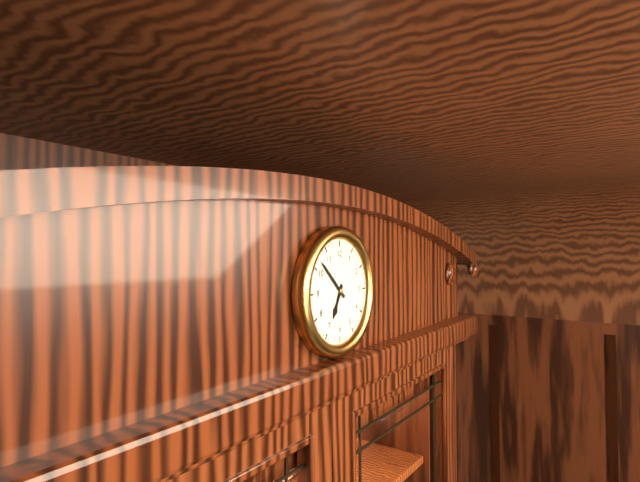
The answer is 6:52
